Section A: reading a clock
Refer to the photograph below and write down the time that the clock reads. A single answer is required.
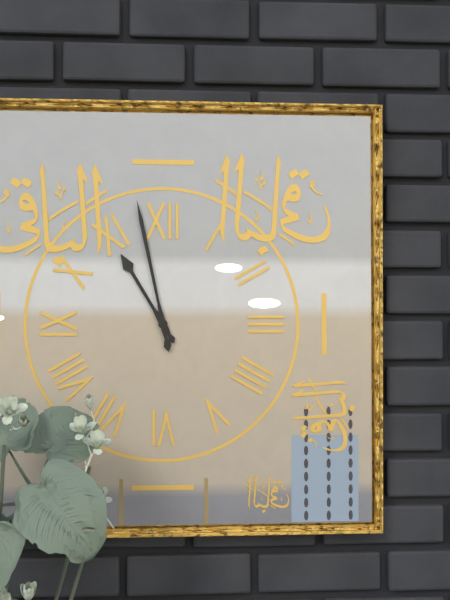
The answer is 10:58
